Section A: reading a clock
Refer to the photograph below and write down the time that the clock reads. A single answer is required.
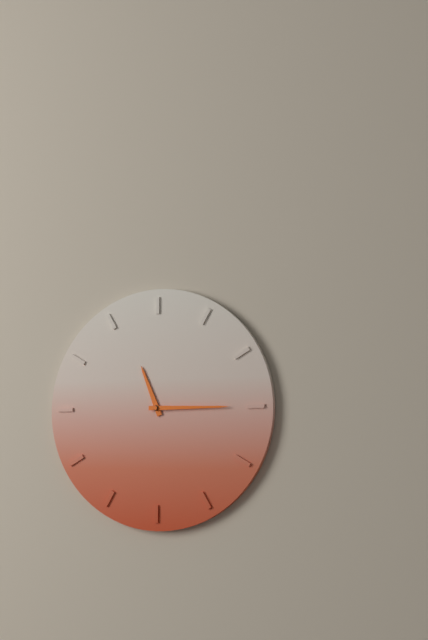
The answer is 11:15
